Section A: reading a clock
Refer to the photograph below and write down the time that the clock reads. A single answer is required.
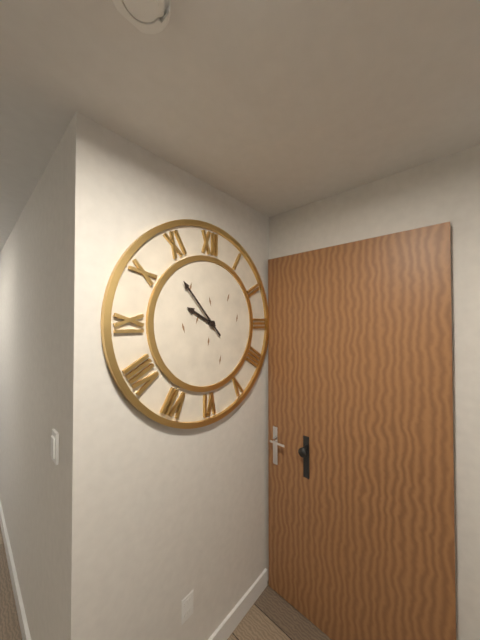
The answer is 9:53
